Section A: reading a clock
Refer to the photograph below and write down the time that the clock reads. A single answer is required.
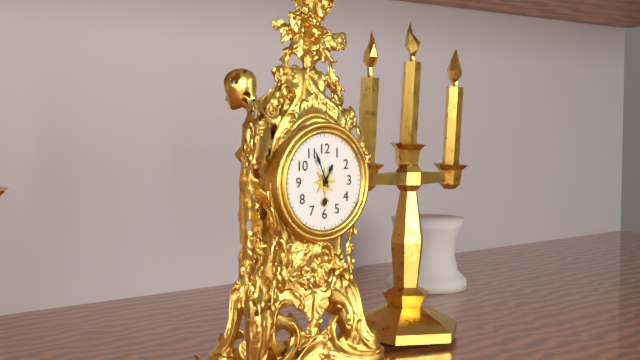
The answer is 12:56
